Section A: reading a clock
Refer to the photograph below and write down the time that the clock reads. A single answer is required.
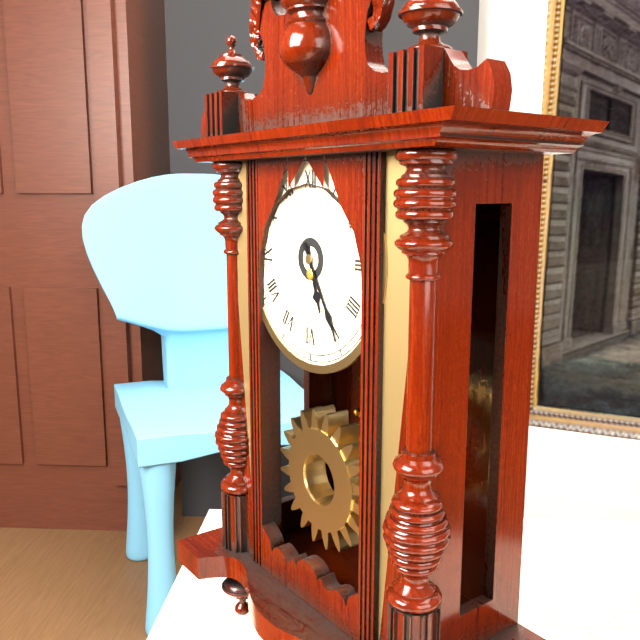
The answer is 5:25
